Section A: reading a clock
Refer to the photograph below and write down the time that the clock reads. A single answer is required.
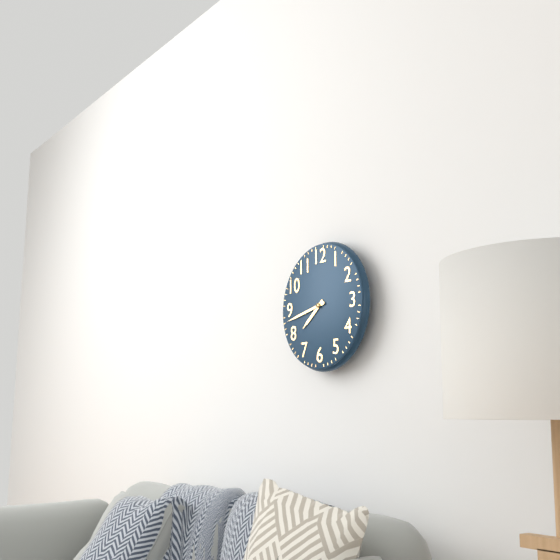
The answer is 7:43
